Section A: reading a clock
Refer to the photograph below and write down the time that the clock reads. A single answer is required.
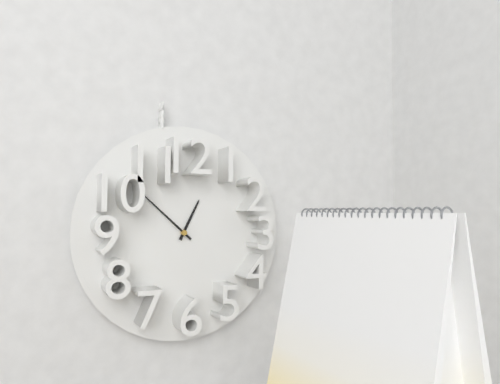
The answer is 12:52
